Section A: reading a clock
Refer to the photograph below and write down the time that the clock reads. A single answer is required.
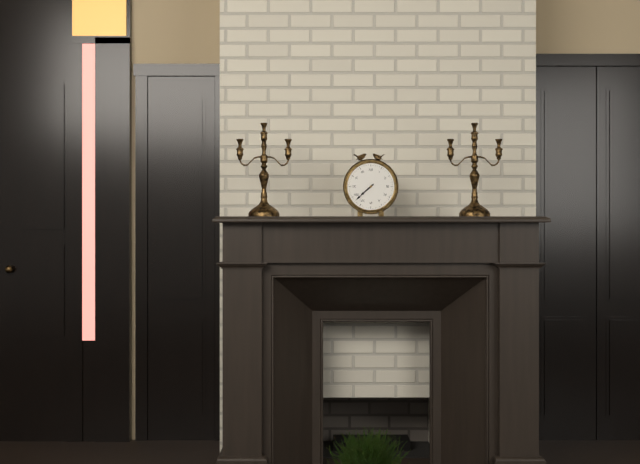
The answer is 7:38
